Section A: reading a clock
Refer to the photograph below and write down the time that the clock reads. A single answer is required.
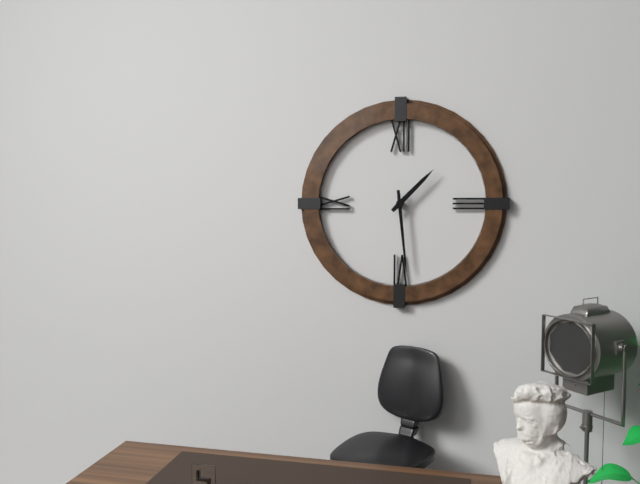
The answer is 1:29
